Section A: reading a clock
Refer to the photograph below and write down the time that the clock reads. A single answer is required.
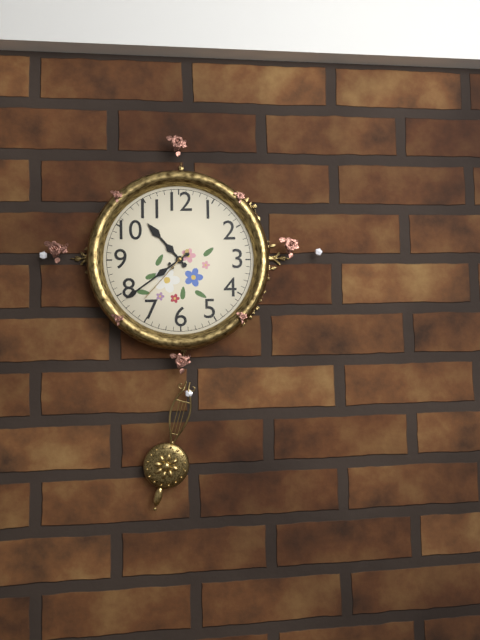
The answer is 10:39:37
